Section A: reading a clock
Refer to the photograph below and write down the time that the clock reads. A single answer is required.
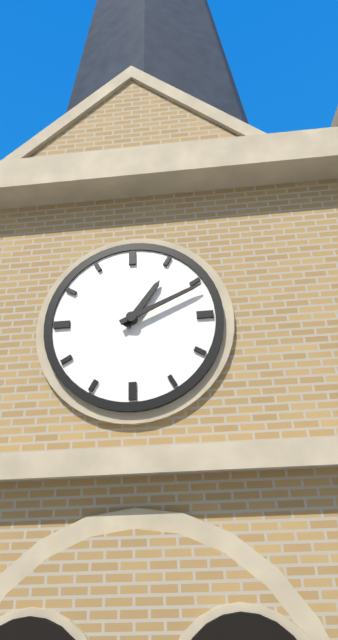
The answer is 1:11
